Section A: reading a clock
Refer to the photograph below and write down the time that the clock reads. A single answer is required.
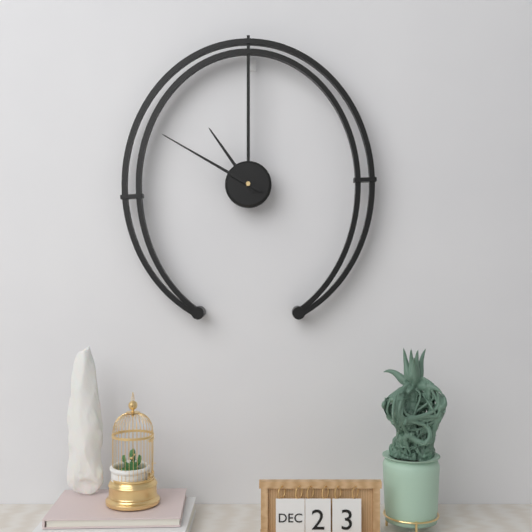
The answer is 10:50
